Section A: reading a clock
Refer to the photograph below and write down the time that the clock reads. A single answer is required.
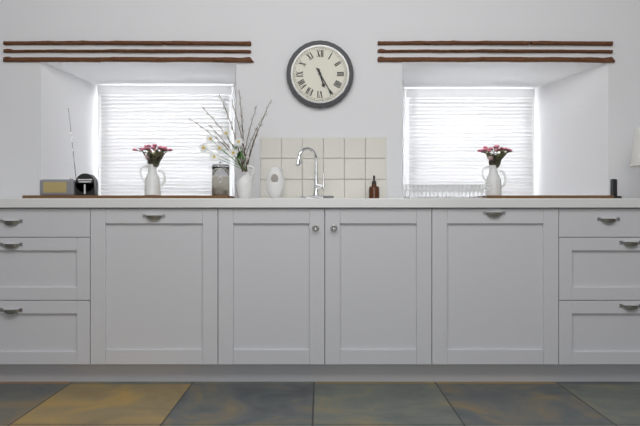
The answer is 5:25
